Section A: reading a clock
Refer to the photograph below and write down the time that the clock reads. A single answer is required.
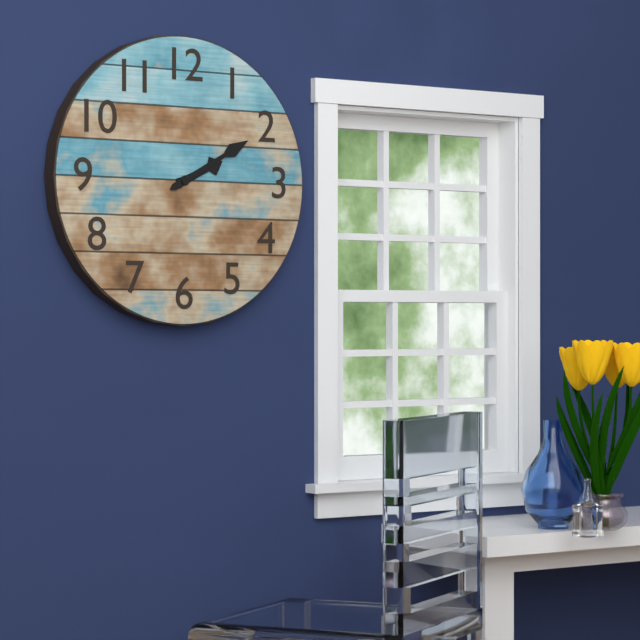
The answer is 2:10
